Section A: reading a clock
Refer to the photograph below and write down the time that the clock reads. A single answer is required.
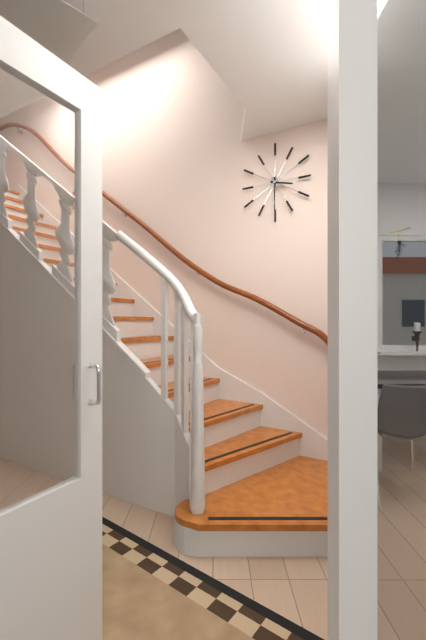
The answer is 3:30
